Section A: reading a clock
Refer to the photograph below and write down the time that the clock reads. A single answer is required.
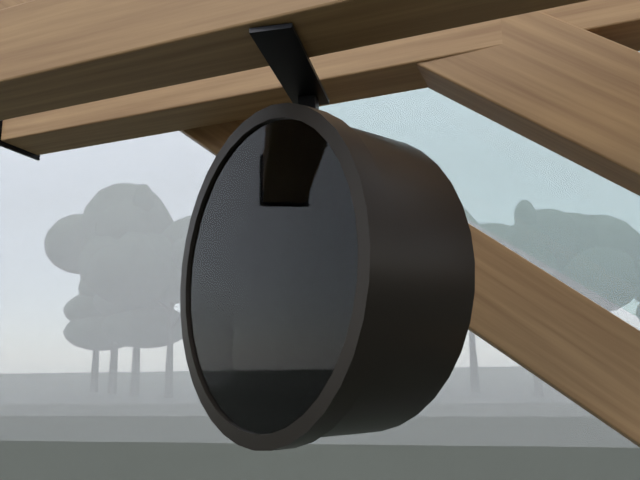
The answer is 3:08
